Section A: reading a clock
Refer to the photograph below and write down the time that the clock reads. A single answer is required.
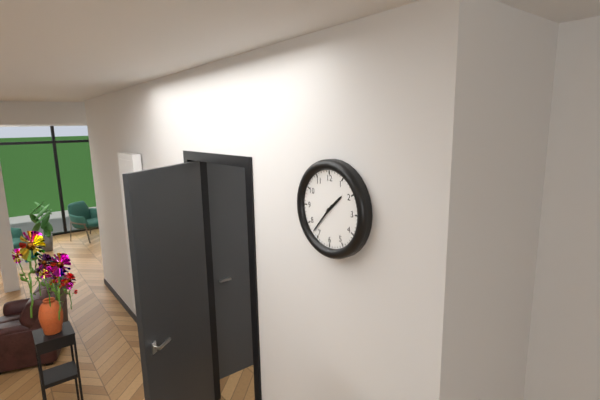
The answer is 1:37
